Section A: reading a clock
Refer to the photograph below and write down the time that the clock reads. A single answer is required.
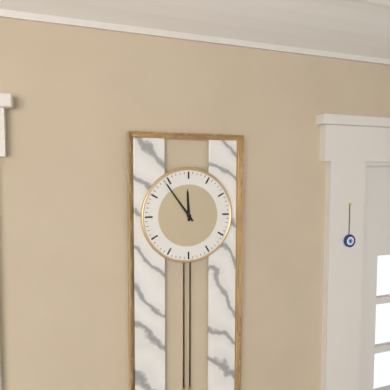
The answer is 11:54
